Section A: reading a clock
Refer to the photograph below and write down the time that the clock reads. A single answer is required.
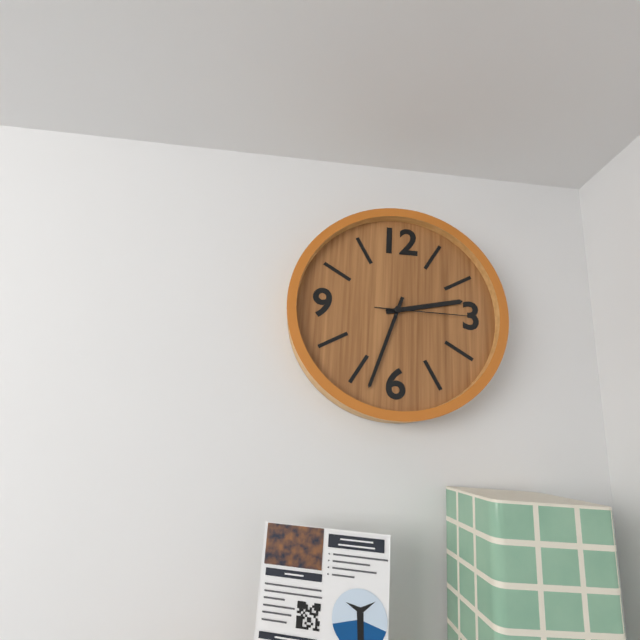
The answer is 2:33:15
